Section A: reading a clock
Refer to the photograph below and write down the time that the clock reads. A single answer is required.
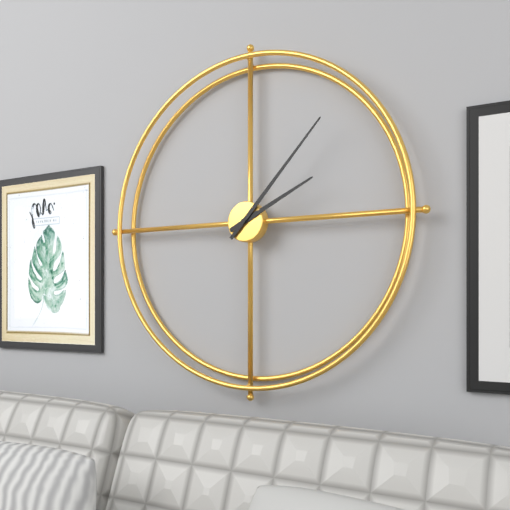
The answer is 2:07
